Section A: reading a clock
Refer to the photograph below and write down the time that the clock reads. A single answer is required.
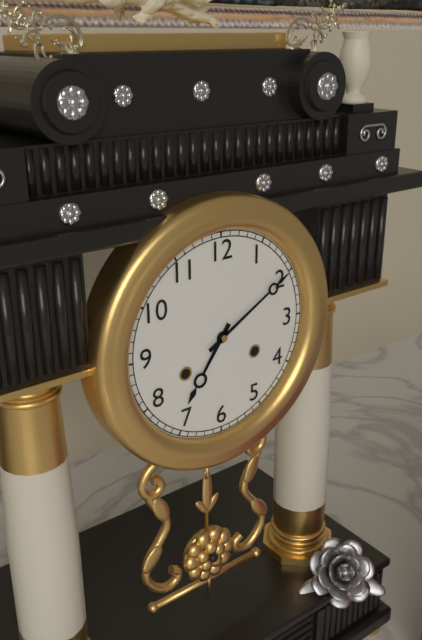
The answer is 7:10
